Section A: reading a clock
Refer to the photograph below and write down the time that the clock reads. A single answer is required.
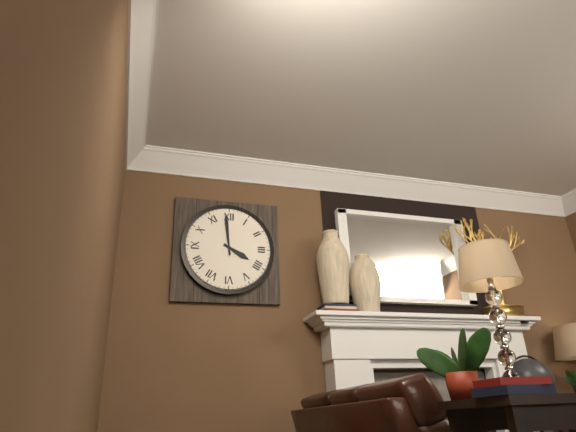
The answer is 3:59
